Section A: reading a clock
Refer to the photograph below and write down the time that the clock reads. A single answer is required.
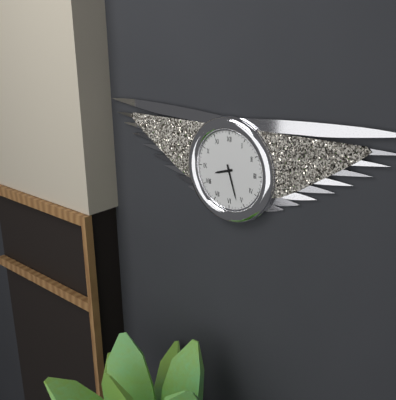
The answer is 8:27
